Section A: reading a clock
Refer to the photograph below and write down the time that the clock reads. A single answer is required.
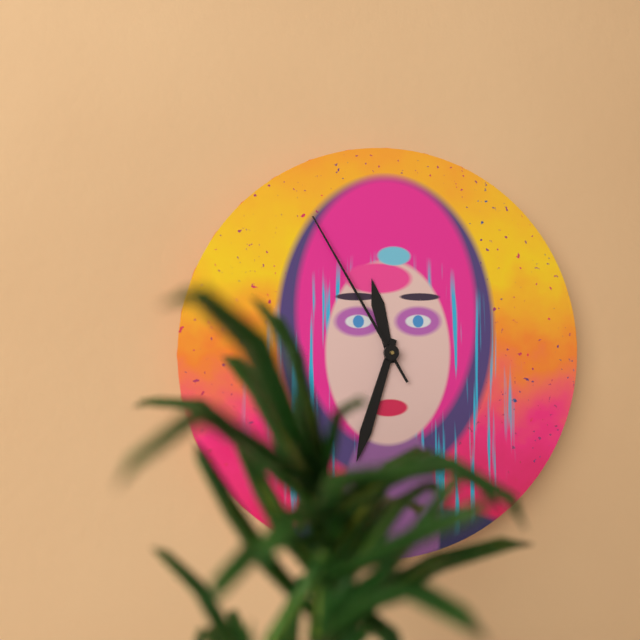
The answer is 11:33:55
